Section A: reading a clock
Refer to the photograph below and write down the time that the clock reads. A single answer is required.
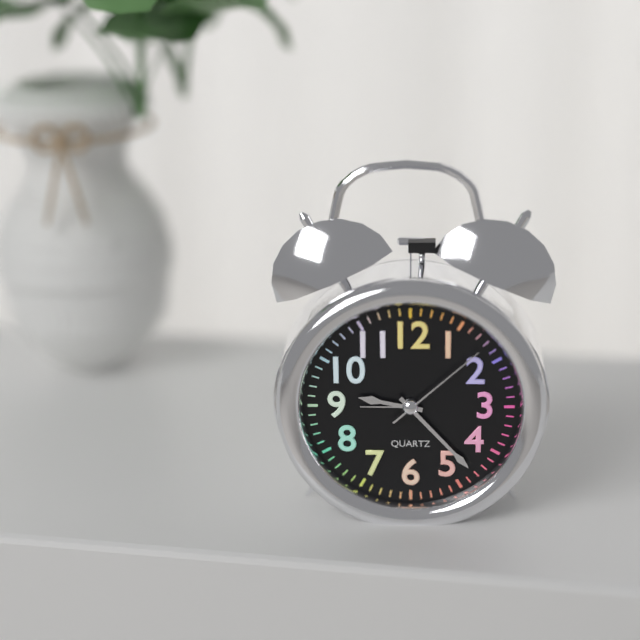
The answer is 9:23:08
